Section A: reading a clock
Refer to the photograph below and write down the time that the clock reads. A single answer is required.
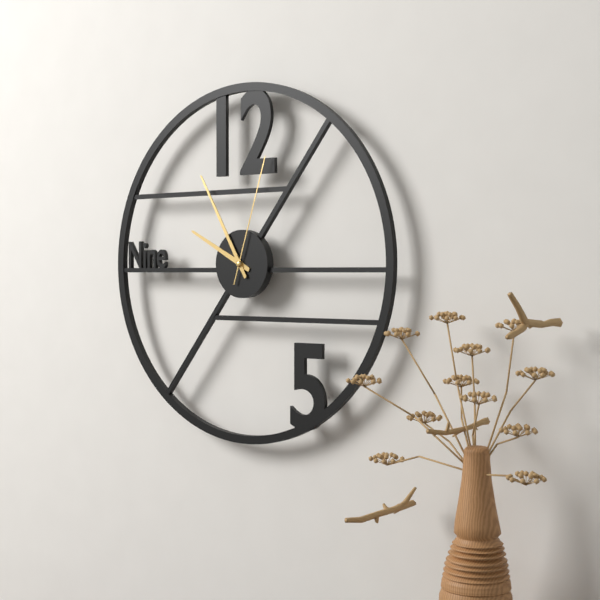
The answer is 9:55:03
